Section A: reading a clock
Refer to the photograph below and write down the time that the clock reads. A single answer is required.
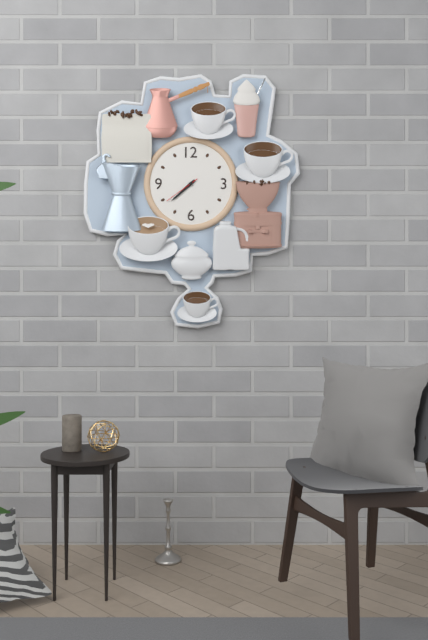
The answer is 7:38
